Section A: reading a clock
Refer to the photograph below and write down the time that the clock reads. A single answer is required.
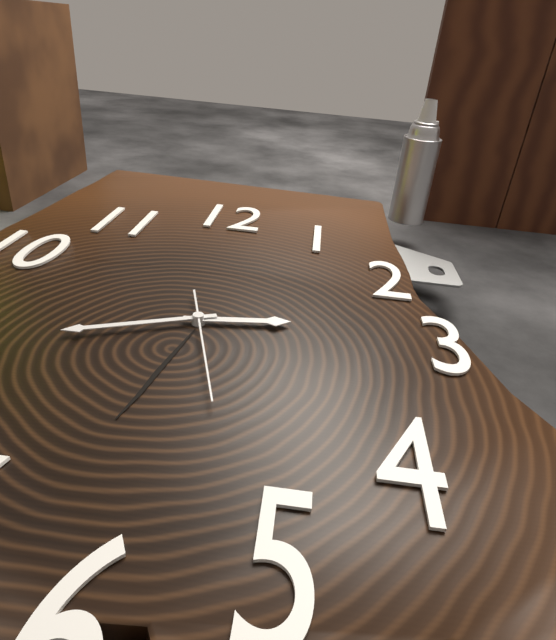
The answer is 2:41:27
